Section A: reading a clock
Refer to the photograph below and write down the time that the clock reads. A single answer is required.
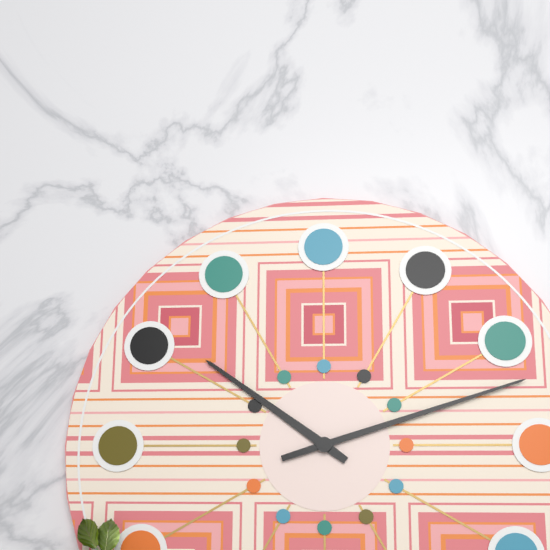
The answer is 10:12
